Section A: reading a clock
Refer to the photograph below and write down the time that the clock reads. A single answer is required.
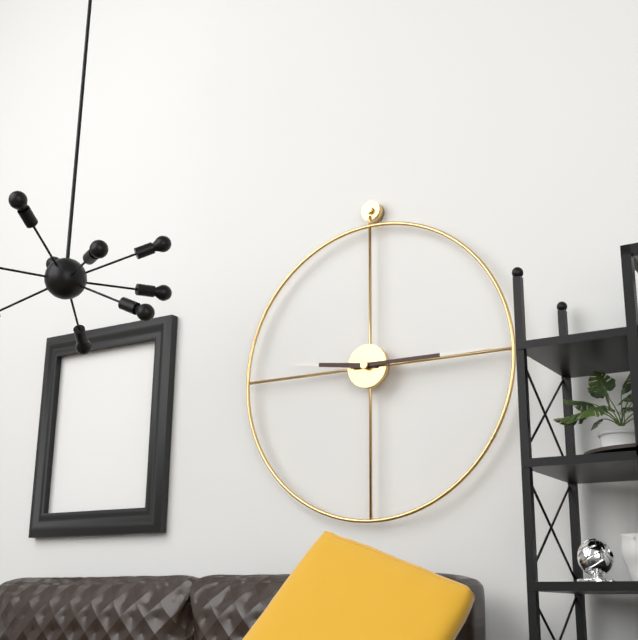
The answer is 9:15
